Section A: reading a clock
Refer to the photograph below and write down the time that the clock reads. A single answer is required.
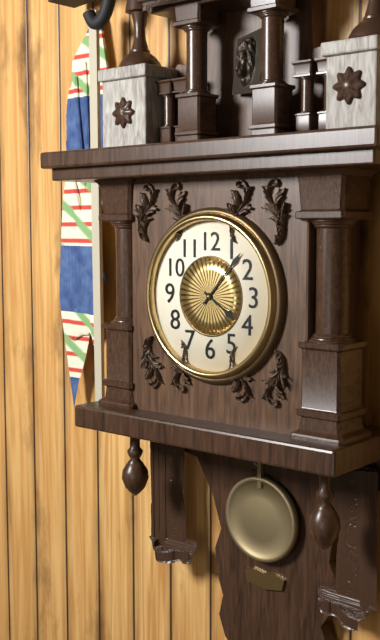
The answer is 4:07
